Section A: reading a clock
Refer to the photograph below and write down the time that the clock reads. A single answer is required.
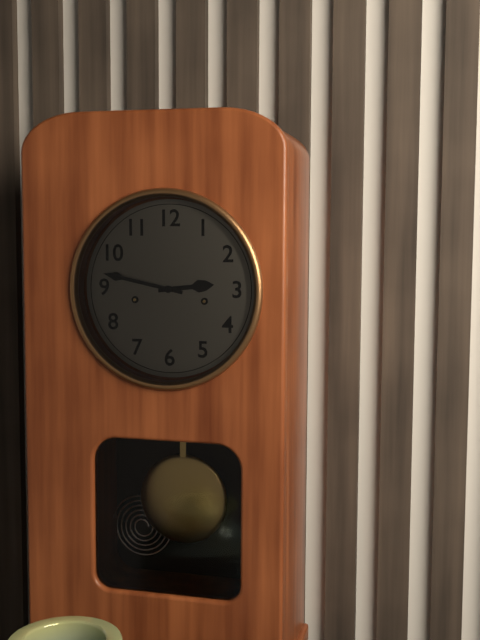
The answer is 2:47
